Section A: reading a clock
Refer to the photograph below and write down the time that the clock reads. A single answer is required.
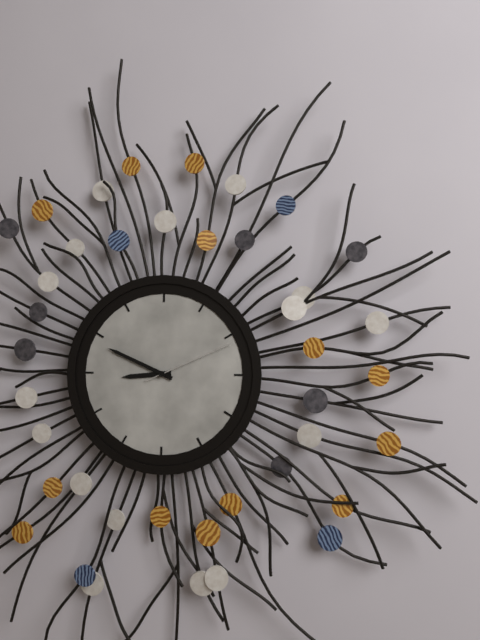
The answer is 8:49:11
